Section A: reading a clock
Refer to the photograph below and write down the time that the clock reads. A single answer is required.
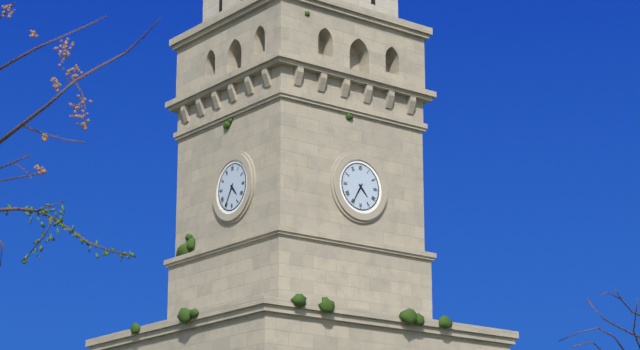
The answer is 4:35
